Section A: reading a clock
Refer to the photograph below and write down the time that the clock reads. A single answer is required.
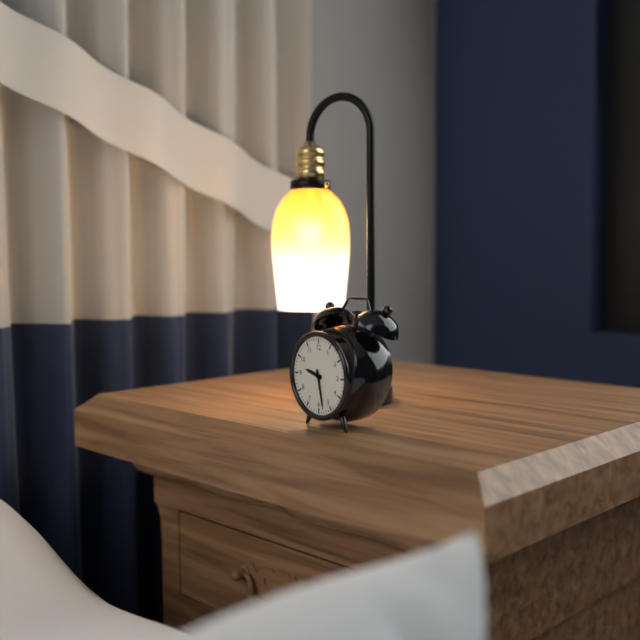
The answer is 9:28
